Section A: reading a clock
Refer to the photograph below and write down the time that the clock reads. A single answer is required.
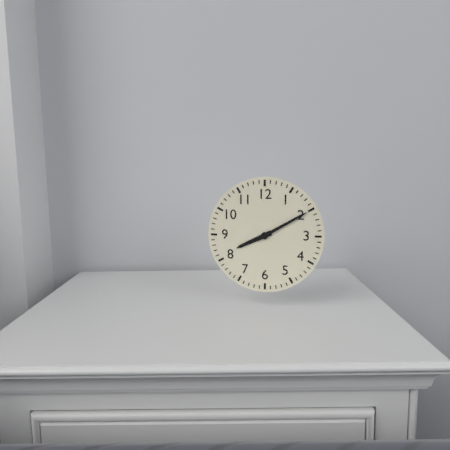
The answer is 8:10
